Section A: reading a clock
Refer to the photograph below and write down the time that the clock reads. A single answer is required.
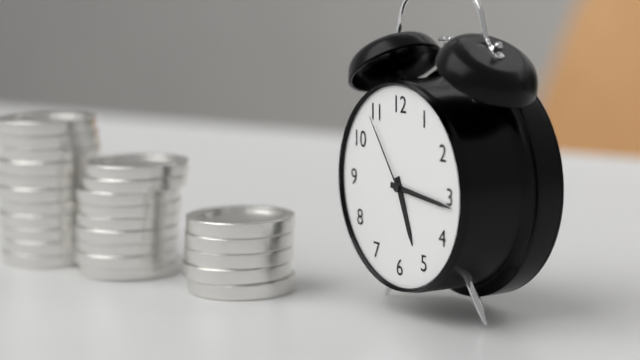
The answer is 5:16:54
